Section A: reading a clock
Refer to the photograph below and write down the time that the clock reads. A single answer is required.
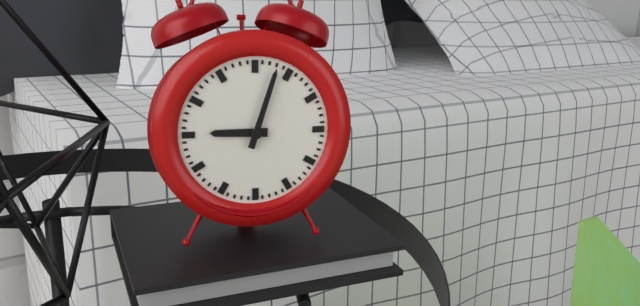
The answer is 9:03
